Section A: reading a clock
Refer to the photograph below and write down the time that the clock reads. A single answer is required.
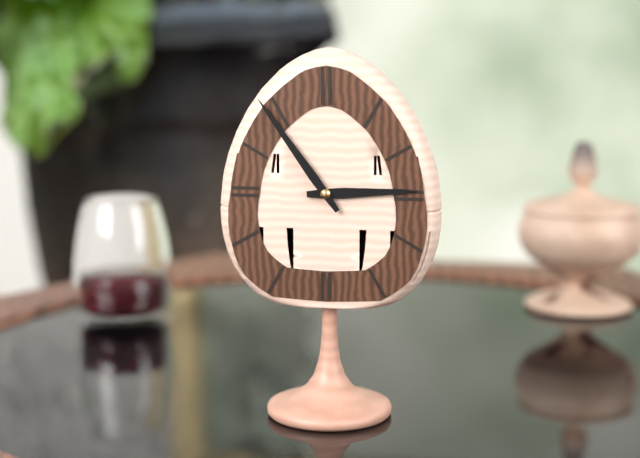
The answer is 2:54
